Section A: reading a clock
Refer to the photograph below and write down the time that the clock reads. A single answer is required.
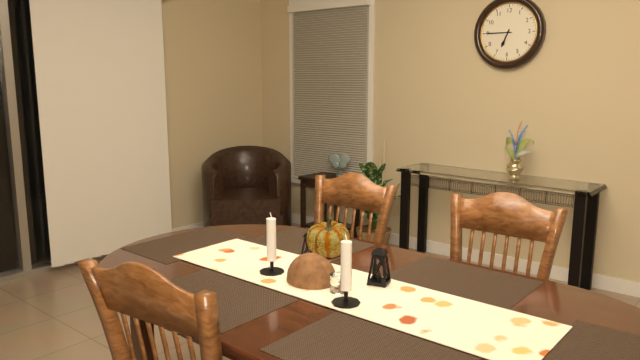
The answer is 6:45
